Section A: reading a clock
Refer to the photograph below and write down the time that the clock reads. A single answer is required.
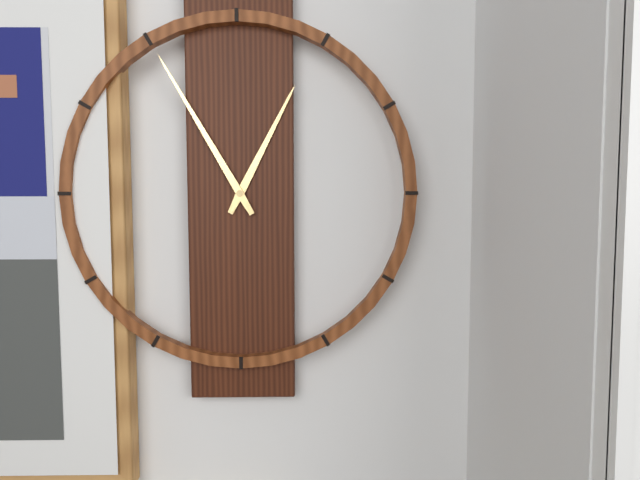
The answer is 12:55
